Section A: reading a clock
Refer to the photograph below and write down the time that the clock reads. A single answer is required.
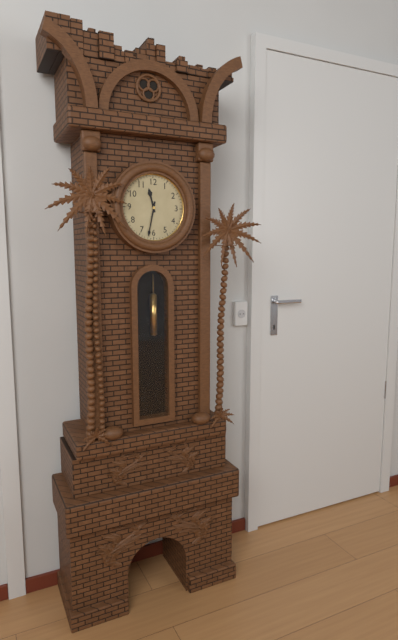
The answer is 11:32
